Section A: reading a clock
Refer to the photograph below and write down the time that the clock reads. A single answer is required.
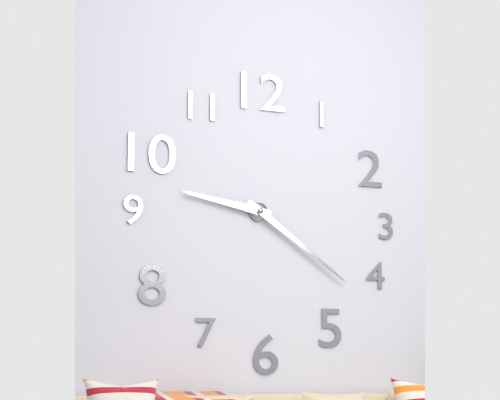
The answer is 9:21
